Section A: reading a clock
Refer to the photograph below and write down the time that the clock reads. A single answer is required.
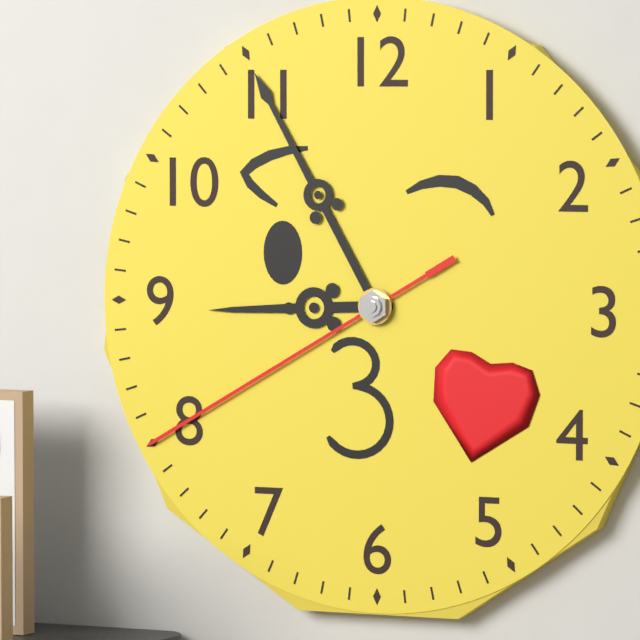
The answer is 8:55:40
